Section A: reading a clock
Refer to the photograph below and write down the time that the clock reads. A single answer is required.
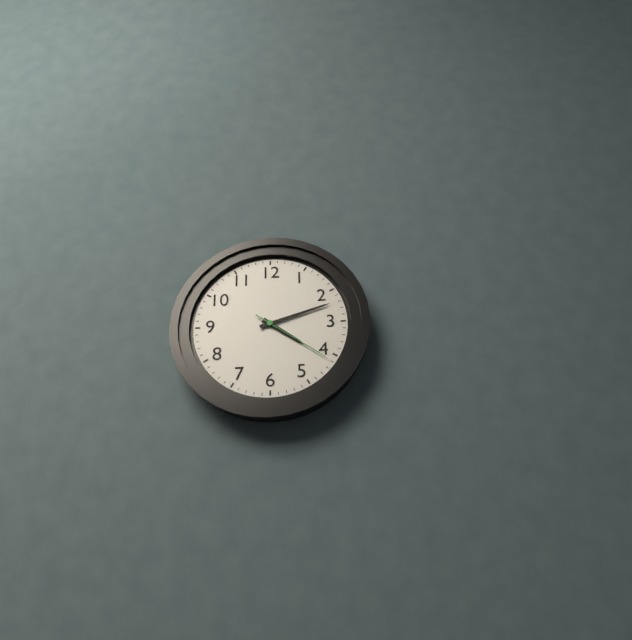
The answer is 4:12:21
